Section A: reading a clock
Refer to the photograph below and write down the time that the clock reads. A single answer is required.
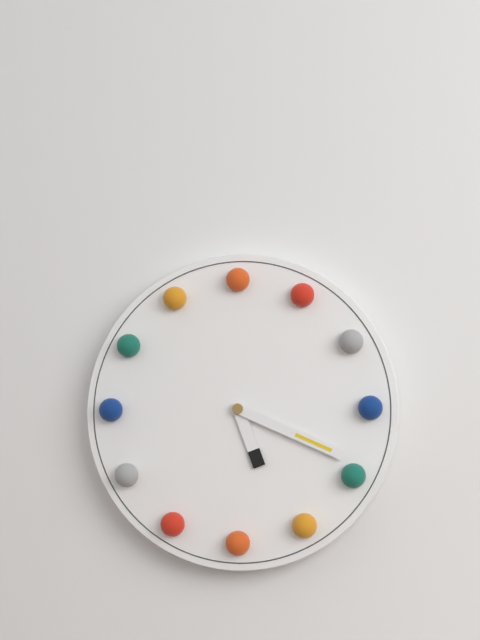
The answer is 5:19
